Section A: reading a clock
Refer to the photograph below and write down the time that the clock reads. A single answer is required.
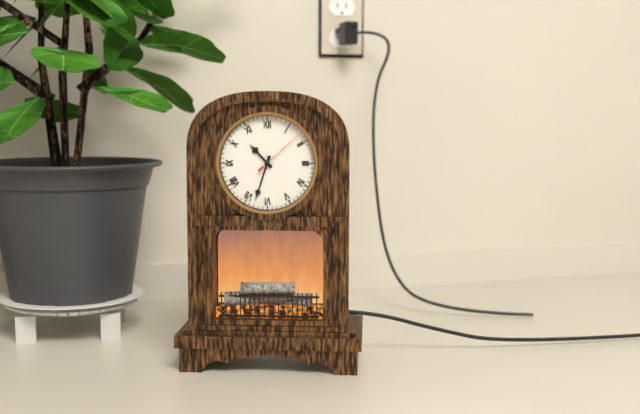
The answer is 10:33
